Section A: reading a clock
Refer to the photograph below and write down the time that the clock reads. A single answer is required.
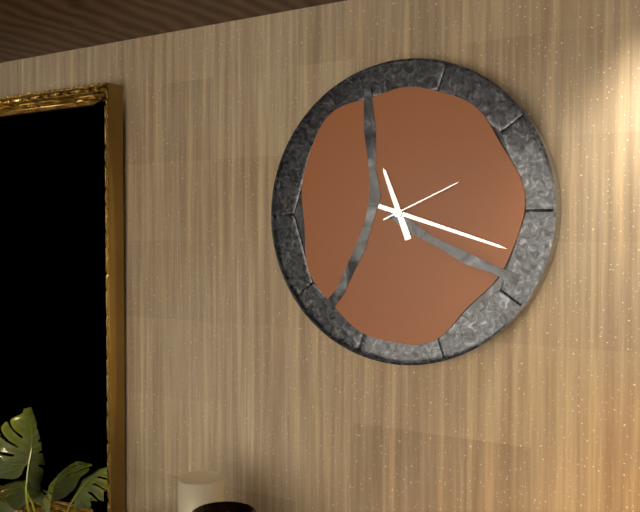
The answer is 11:18:11
